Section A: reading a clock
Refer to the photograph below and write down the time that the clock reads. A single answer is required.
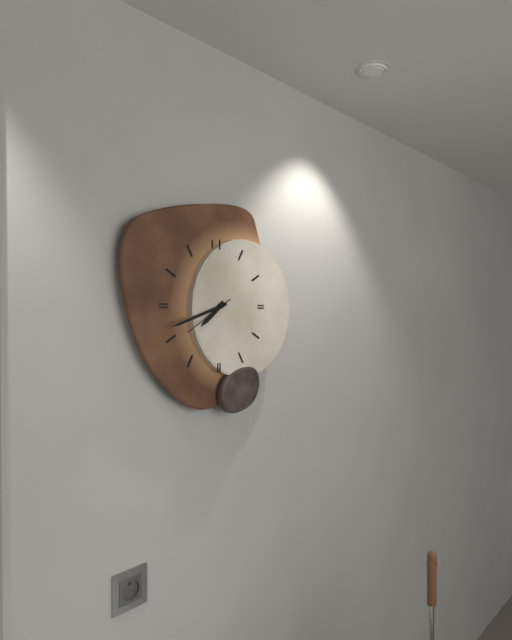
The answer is 7:42:40
